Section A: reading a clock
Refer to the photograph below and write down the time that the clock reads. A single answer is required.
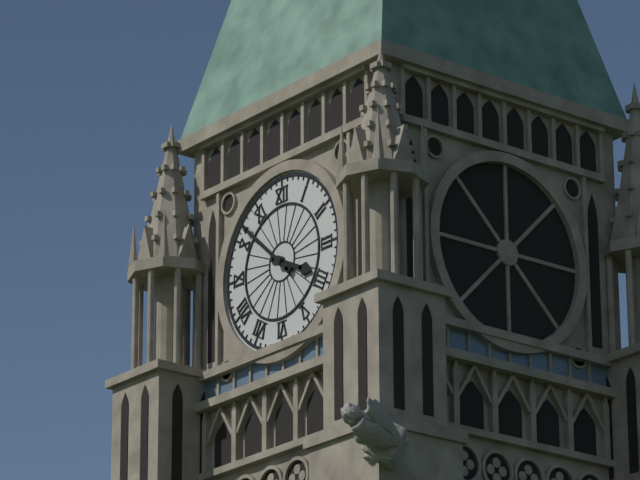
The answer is 3:52
